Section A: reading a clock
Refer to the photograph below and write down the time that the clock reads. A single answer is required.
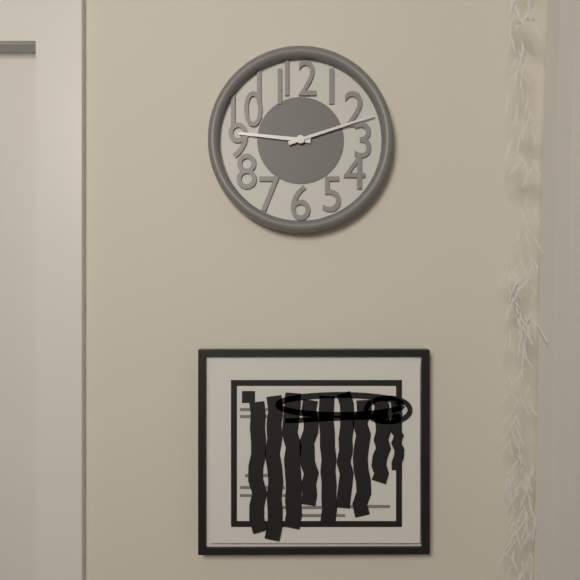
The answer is 9:12
